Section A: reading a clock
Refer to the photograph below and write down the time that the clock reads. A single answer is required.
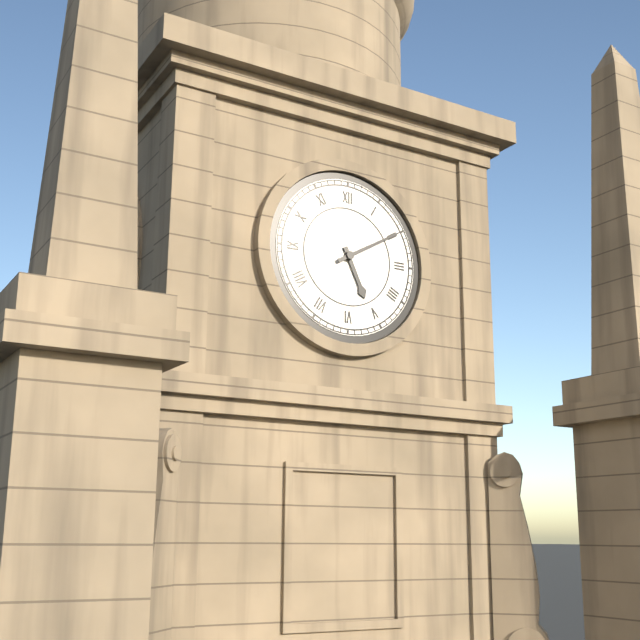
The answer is 5:10
